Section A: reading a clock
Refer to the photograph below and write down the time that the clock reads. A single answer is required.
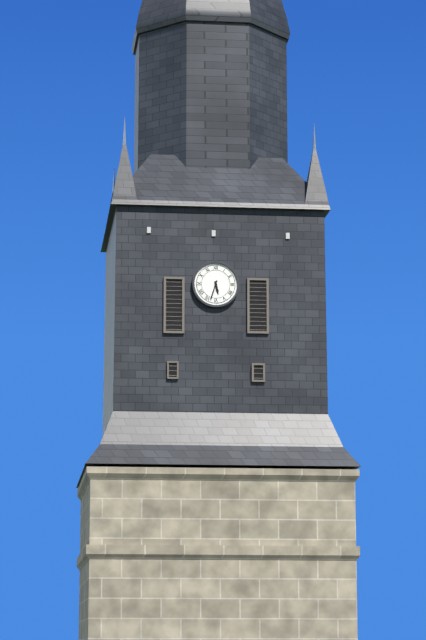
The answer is 5:33
